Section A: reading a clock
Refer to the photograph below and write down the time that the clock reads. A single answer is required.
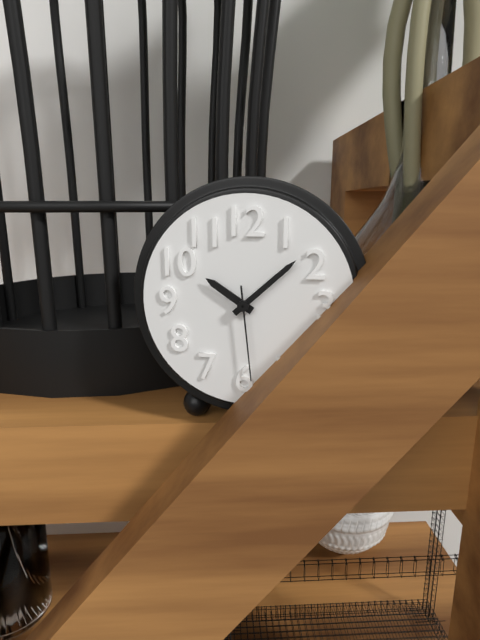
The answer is 10:08:29
